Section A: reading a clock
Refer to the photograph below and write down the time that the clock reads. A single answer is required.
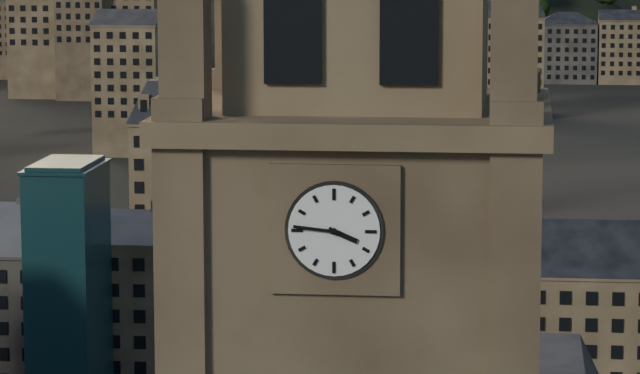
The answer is 3:46
